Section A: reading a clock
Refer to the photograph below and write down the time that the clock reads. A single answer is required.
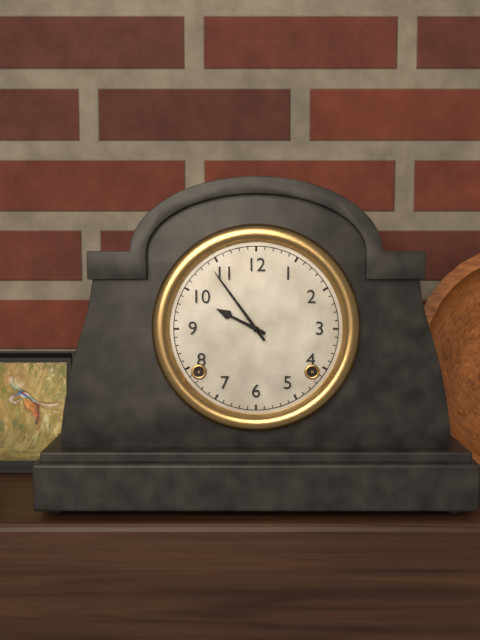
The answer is 9:54
